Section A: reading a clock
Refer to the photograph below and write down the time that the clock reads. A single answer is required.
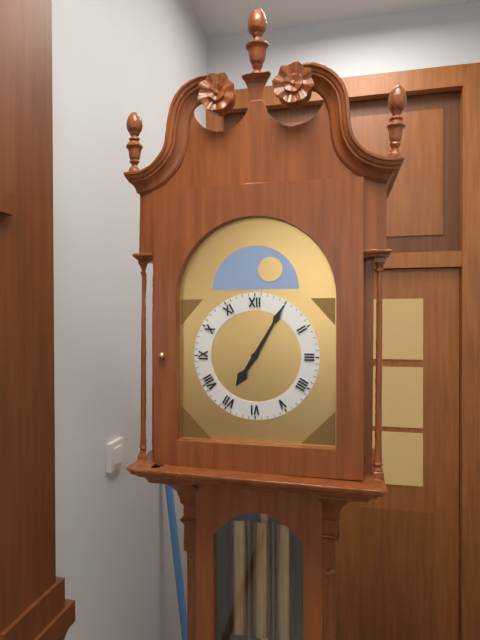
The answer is 7:05
